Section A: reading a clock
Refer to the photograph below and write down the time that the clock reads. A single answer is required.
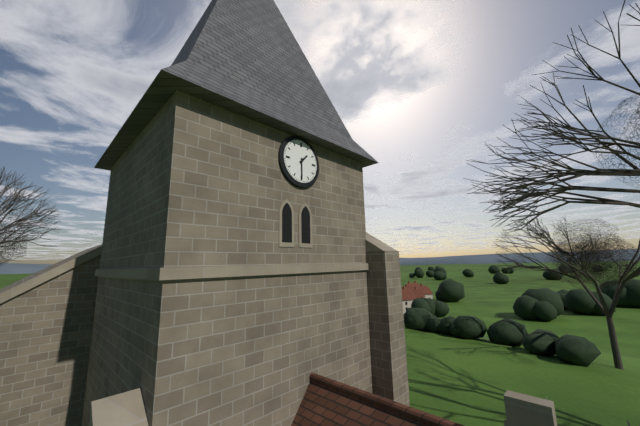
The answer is 1:30
